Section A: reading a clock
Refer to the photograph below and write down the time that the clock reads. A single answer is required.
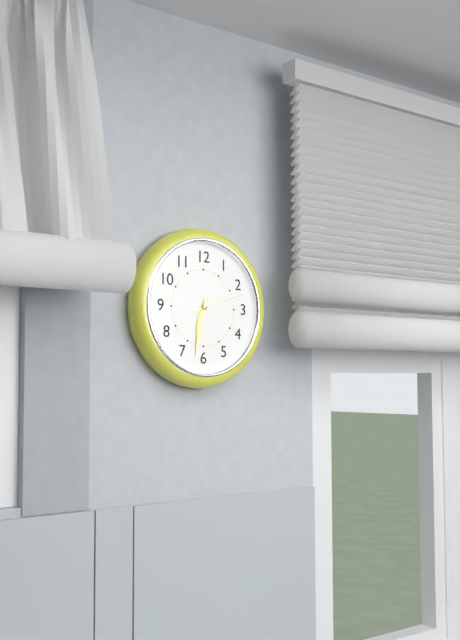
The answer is 6:32:12
